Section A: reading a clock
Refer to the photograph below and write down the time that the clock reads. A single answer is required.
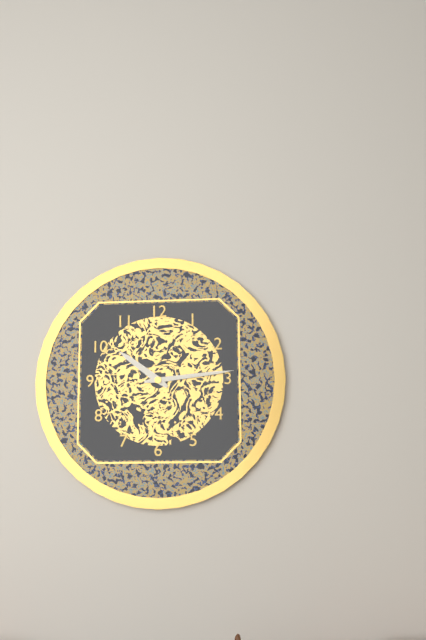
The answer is 10:14
